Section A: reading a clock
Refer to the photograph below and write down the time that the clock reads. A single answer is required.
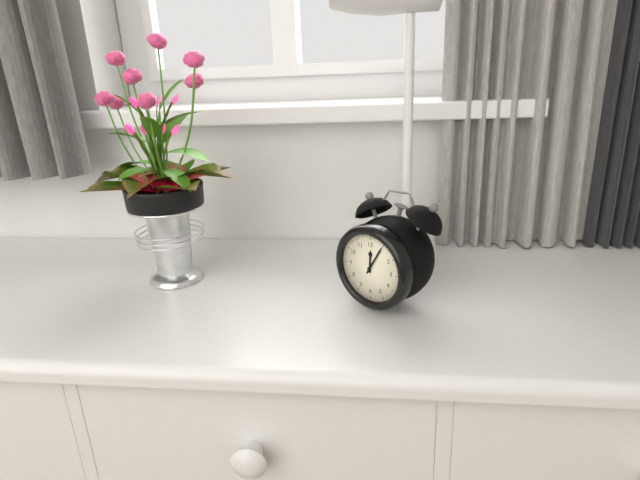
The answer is 12:05
